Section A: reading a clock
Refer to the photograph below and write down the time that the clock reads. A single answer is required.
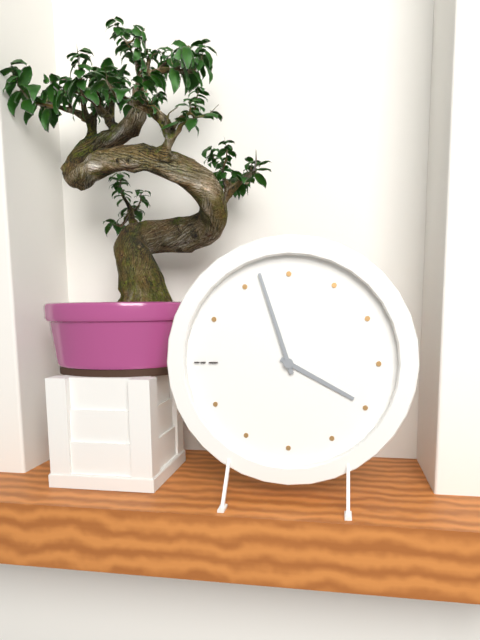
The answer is 3:57
